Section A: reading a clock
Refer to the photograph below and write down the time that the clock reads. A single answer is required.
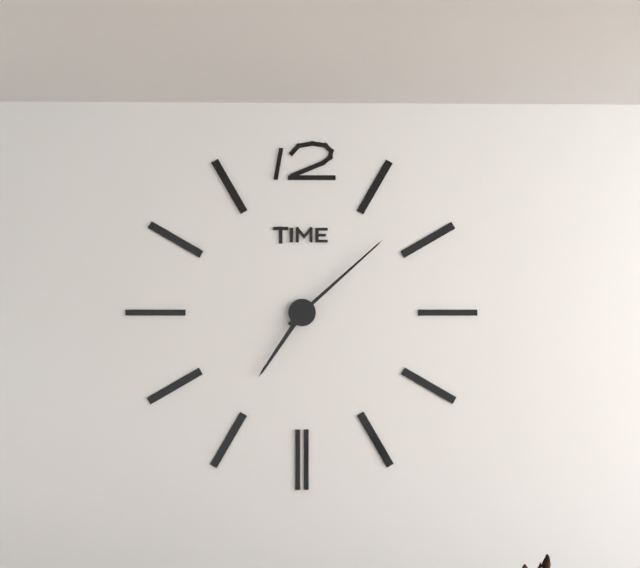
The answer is 7:08
